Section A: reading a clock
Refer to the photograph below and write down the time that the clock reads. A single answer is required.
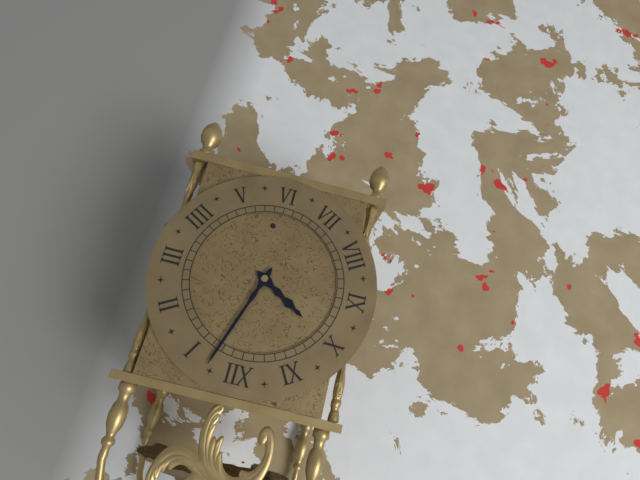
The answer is 10:03
